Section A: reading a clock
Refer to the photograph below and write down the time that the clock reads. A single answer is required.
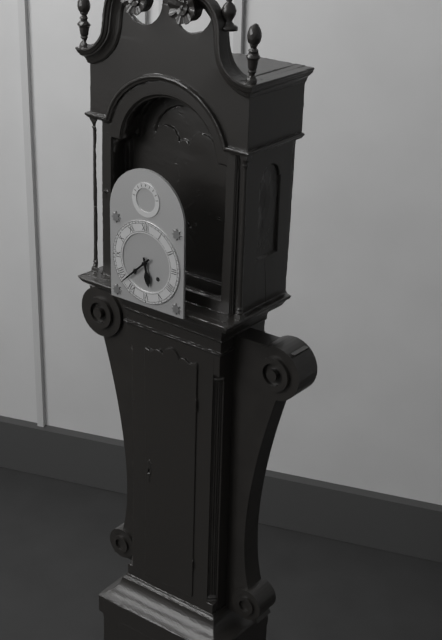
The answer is 5:38
